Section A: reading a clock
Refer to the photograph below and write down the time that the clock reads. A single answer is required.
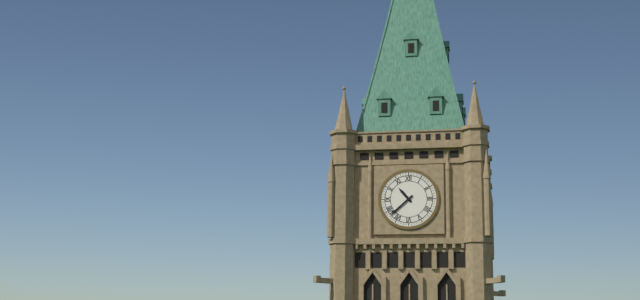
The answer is 10:38
